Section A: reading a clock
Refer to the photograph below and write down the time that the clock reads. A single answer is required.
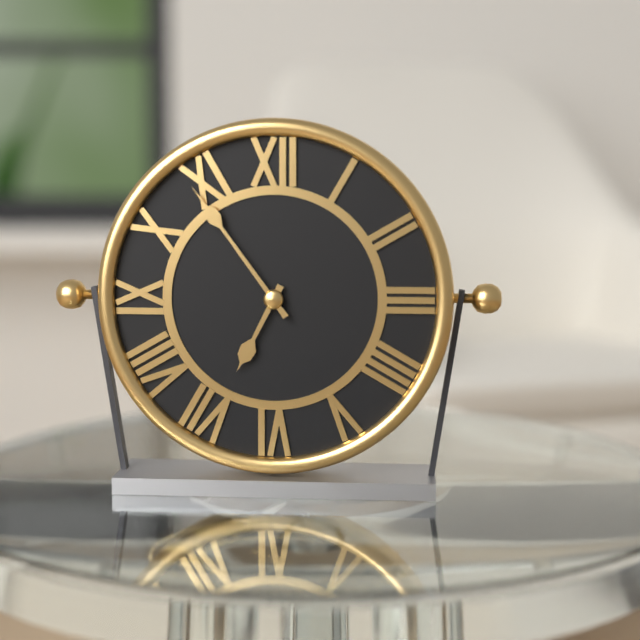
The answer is 6:54
